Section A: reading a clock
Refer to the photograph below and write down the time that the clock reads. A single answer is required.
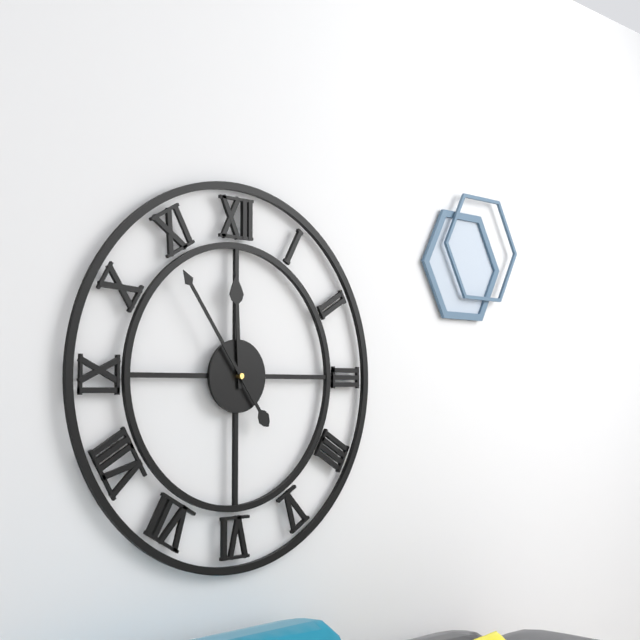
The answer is 11:54
